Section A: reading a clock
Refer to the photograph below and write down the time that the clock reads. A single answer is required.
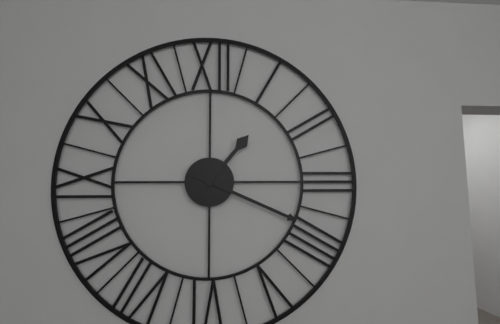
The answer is 1:19
